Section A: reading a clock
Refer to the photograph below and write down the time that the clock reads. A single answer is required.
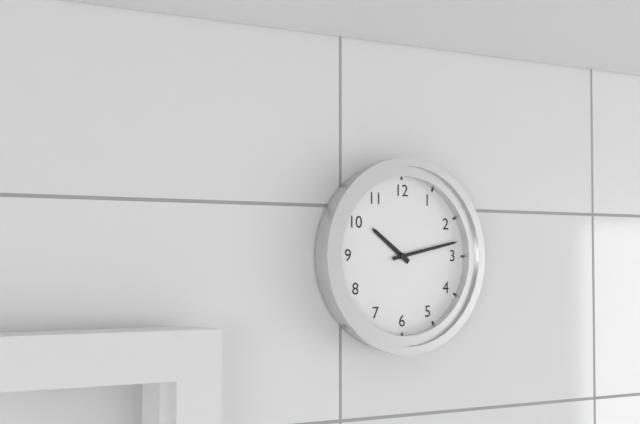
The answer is 10:13
